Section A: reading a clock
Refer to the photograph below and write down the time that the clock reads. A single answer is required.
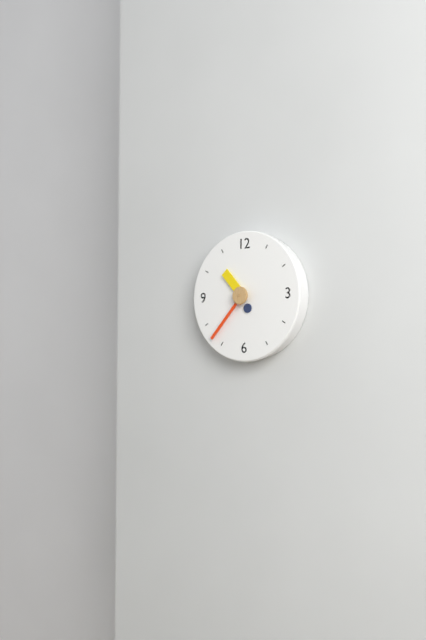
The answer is 10:37
